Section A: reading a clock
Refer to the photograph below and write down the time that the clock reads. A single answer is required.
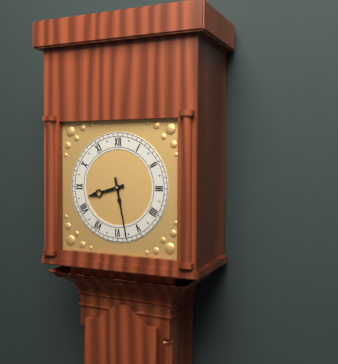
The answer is 8:28
